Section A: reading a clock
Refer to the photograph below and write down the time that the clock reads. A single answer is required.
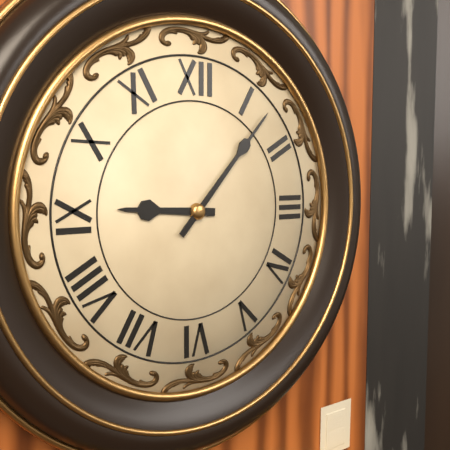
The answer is 9:07
